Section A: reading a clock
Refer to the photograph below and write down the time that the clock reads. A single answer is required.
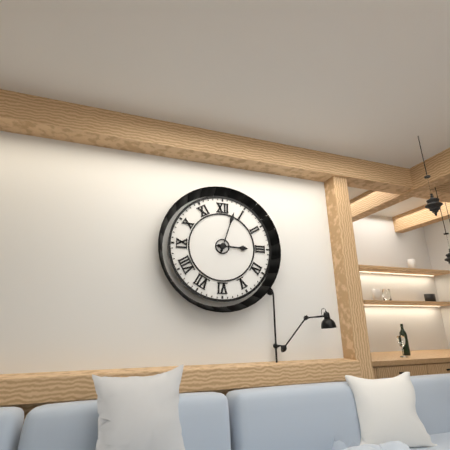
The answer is 3:03
